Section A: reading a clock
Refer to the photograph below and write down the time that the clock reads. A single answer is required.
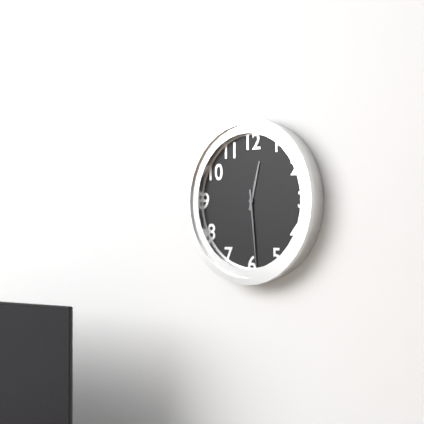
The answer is 12:29
